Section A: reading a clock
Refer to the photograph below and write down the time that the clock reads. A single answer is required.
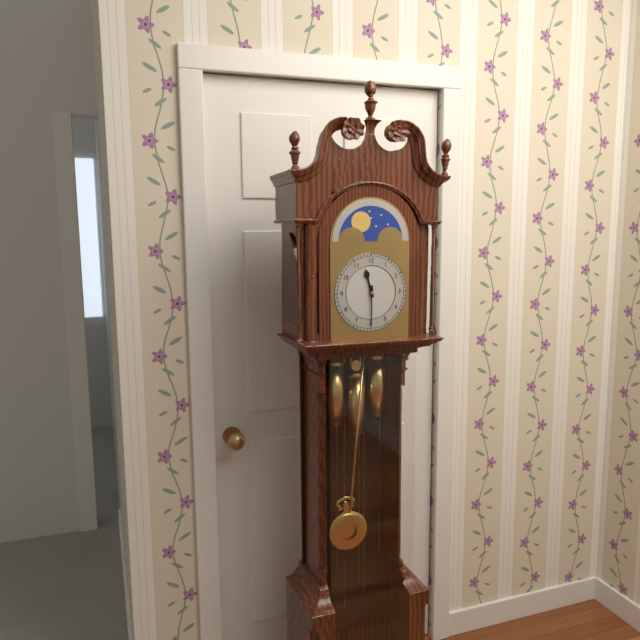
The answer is 11:30
